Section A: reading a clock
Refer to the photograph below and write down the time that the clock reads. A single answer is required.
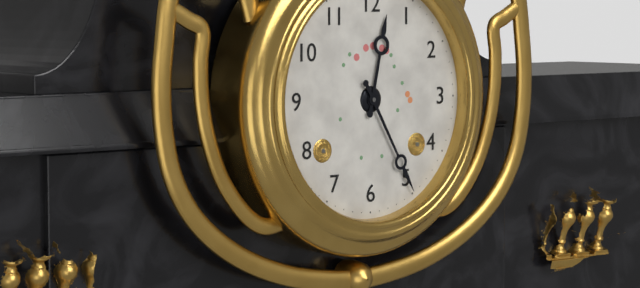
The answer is 12:25
